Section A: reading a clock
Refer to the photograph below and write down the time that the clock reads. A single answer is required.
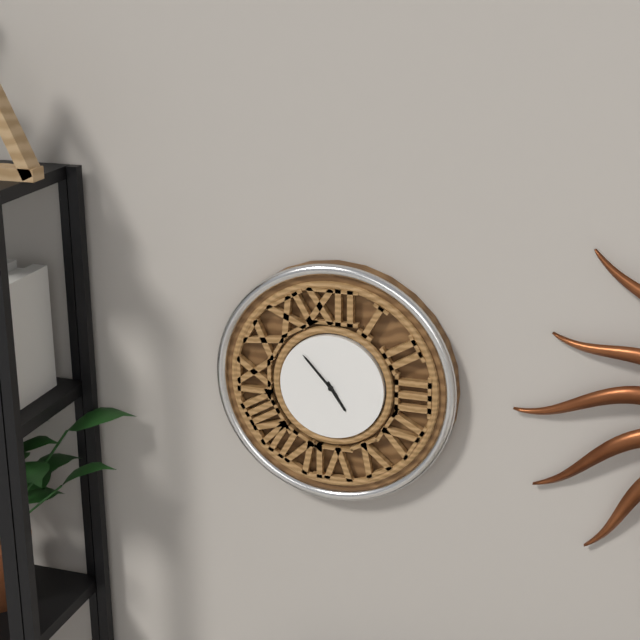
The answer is 4:53
